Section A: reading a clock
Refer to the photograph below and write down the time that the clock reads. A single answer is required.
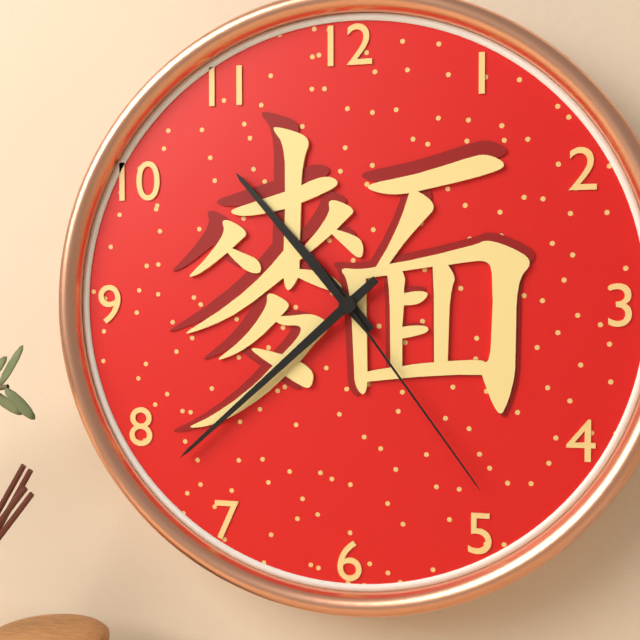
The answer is 10:38:24
